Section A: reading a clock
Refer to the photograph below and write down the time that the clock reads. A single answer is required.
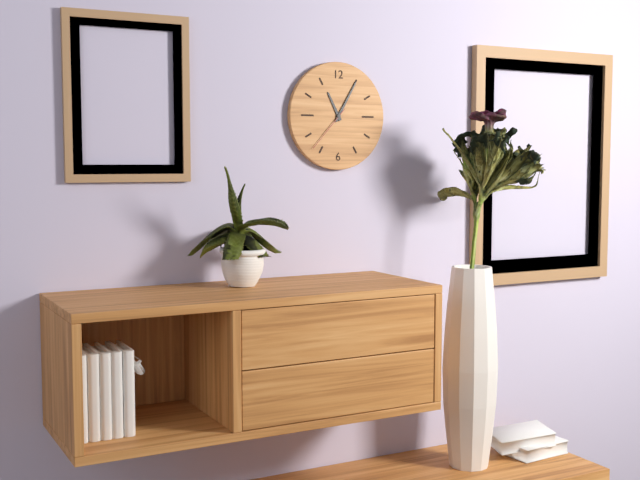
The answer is 11:05
